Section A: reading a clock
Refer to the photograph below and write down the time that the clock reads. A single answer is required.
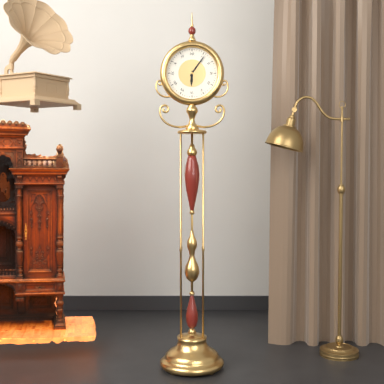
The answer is 6:06
